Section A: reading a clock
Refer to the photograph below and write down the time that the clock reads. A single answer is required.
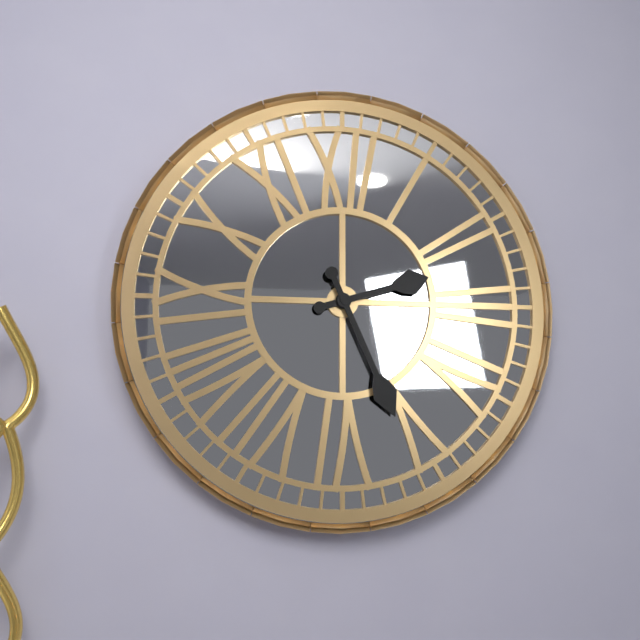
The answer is 2:26
